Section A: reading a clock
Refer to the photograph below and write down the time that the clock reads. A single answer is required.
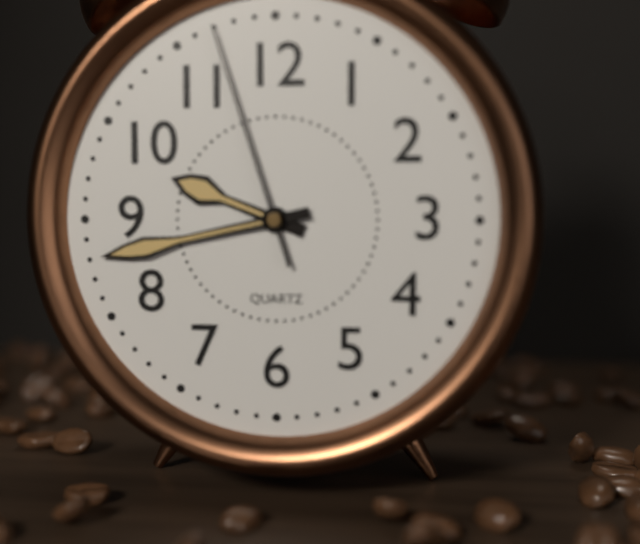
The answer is 9:43:57
